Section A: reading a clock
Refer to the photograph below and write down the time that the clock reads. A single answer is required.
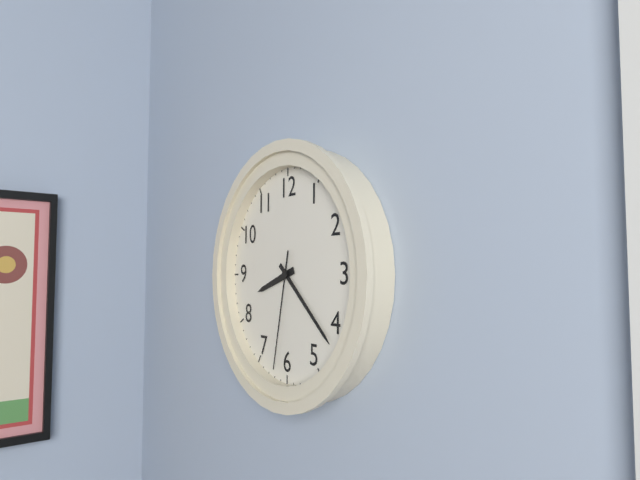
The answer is 8:22:32
